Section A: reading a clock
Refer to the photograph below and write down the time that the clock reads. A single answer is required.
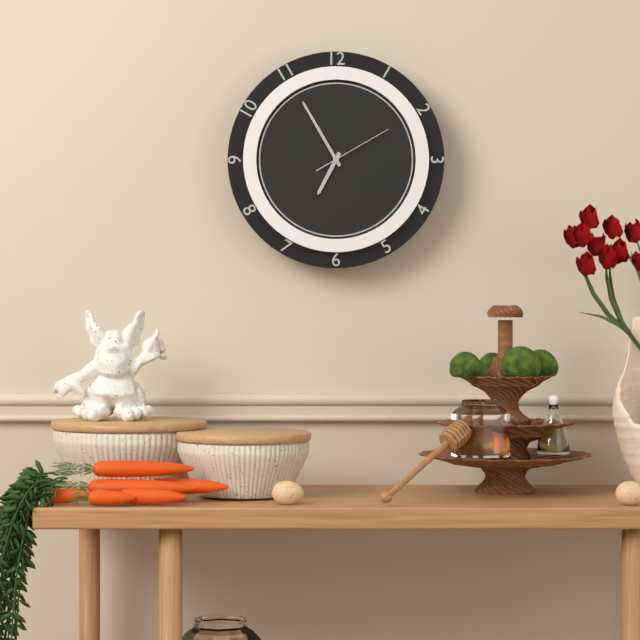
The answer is 6:55:10
